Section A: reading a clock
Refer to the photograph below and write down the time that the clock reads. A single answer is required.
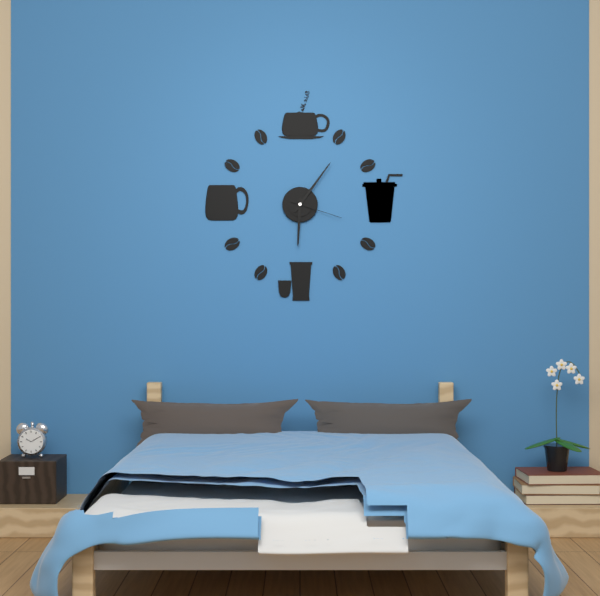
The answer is 6:06:18
